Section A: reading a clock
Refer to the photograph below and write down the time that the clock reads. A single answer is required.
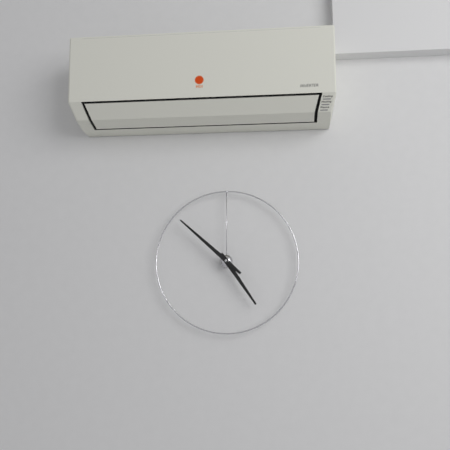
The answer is 4:52
